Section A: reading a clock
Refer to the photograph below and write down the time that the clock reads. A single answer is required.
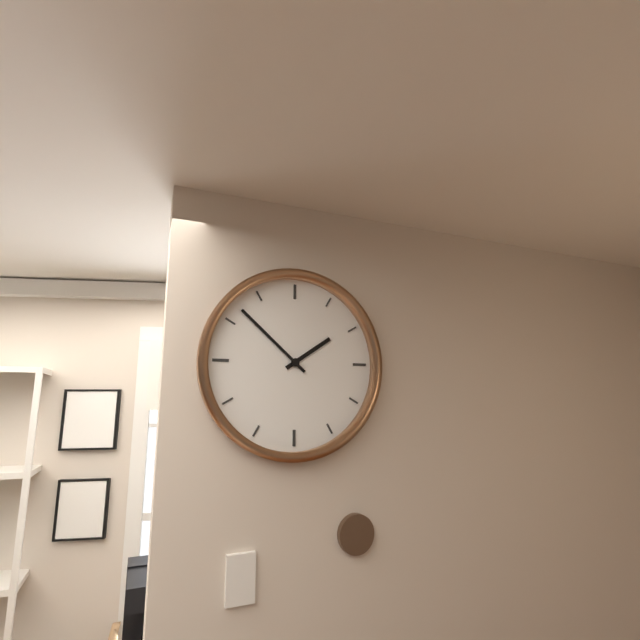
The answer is 1:52
